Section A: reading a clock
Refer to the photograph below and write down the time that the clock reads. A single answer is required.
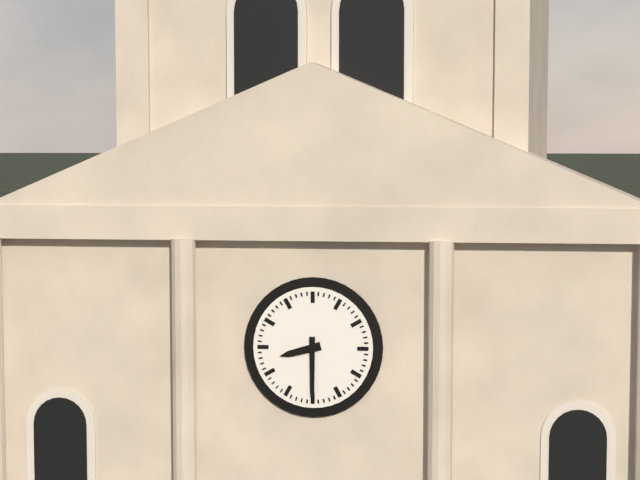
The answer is 8:30
